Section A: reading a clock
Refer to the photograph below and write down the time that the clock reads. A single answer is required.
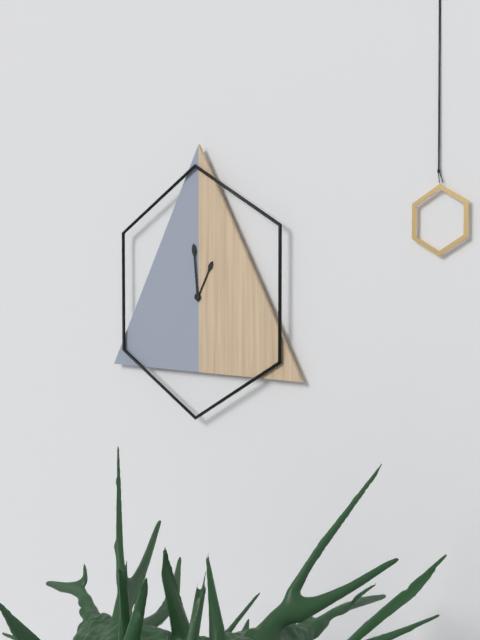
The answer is 12:59
